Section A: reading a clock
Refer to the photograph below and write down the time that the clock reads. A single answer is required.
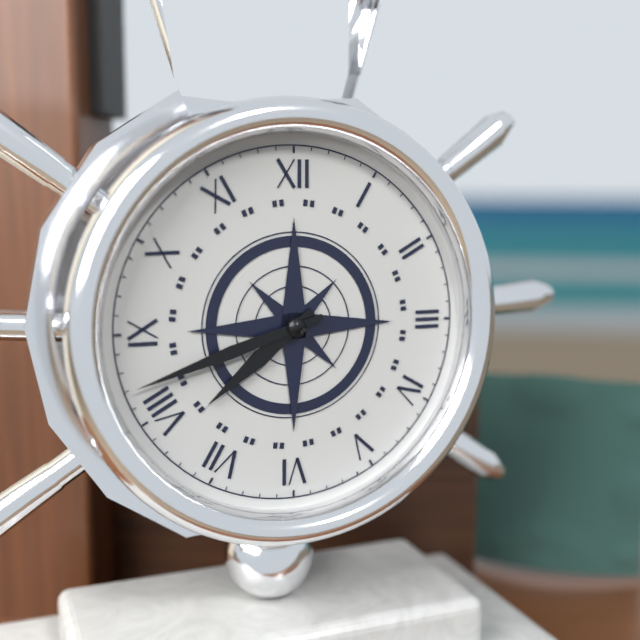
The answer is 7:42
